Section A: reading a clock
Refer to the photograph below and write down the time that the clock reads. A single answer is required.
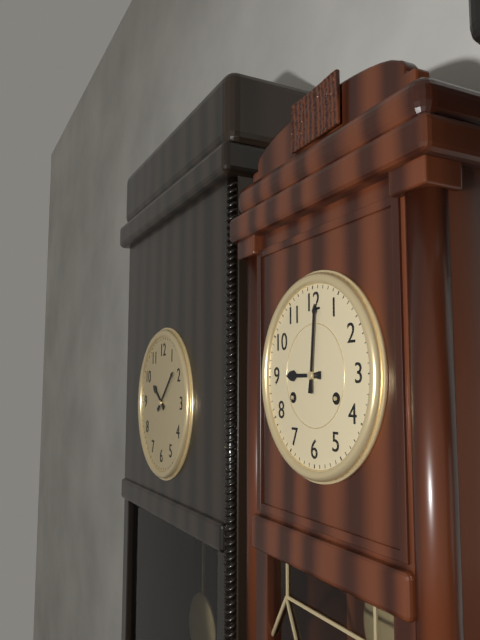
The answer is 9:01
